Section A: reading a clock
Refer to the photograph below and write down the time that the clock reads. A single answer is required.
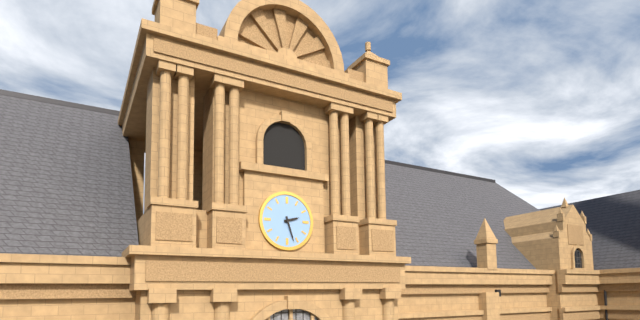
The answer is 2:27
